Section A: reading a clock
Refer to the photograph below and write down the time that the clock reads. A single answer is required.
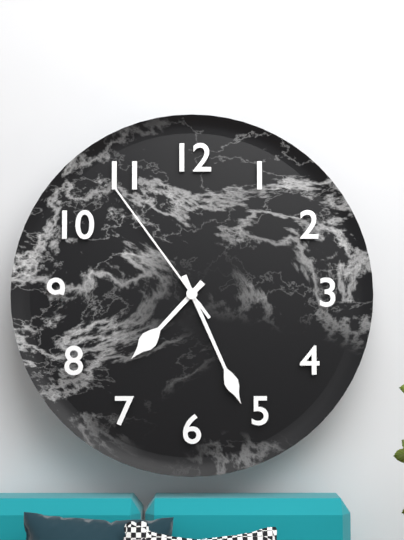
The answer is 7:26:54
